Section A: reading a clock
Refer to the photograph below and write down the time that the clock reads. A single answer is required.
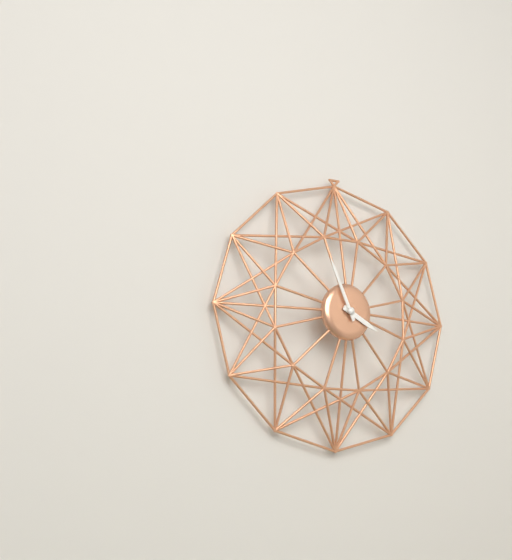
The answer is 3:56
